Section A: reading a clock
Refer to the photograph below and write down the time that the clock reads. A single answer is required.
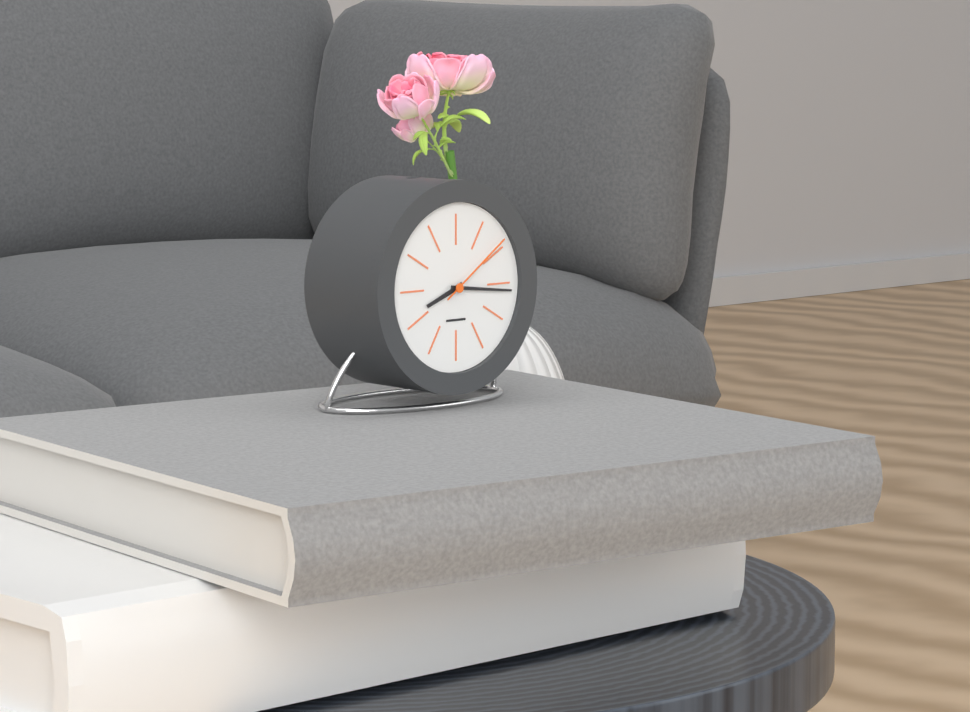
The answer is 8:16:09
